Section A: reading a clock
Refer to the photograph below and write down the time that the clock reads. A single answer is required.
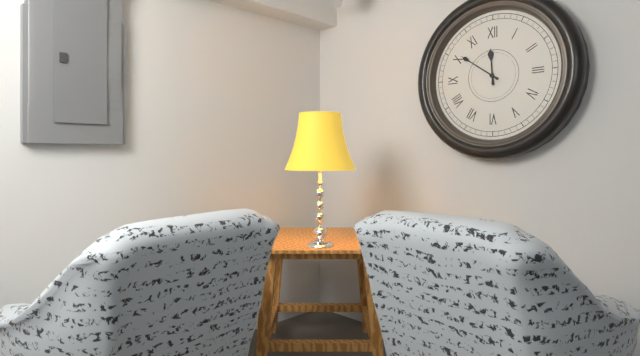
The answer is 11:51
